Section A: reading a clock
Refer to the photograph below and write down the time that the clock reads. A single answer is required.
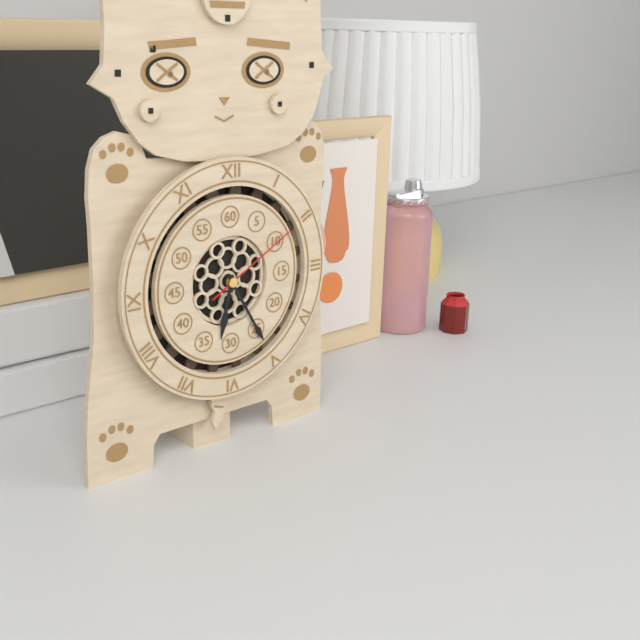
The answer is 6:25:10
